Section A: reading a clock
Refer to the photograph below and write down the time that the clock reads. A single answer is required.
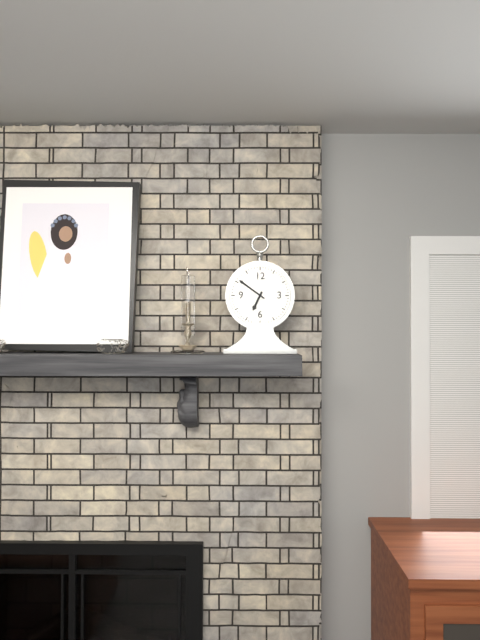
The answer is 6:51
